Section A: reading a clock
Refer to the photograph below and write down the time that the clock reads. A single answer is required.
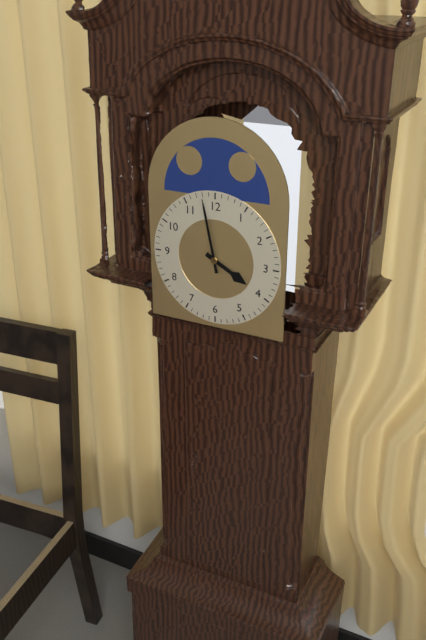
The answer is 3:58
